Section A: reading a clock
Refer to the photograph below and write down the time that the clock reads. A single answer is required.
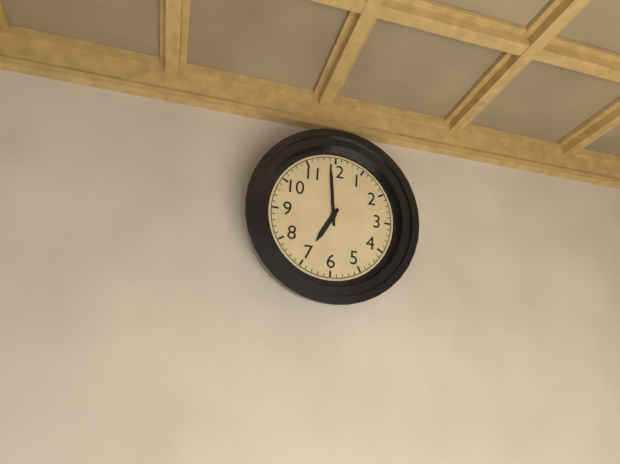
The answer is 6:59
